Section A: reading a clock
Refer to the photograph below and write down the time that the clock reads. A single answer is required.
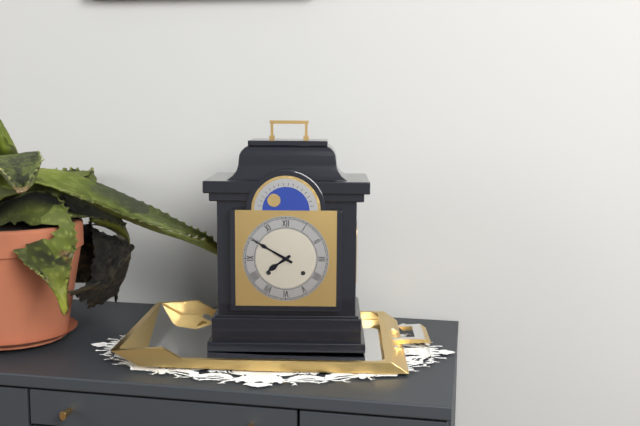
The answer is 7:50
